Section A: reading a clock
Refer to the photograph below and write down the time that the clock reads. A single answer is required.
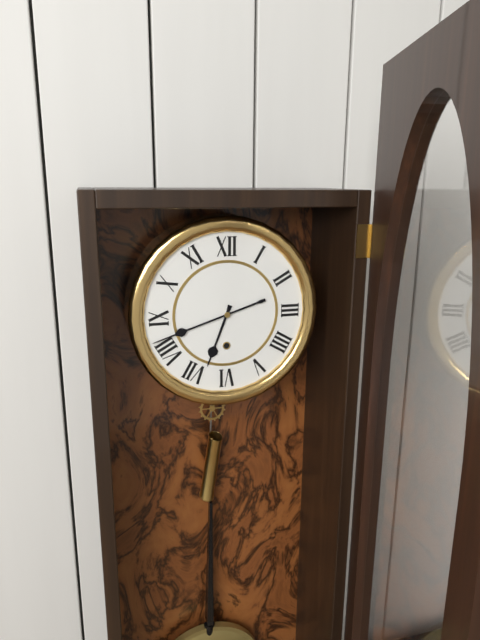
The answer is 6:42
